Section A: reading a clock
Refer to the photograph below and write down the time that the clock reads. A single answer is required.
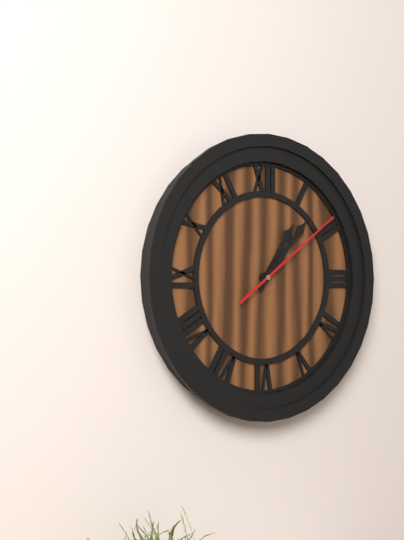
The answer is 1:07:09
